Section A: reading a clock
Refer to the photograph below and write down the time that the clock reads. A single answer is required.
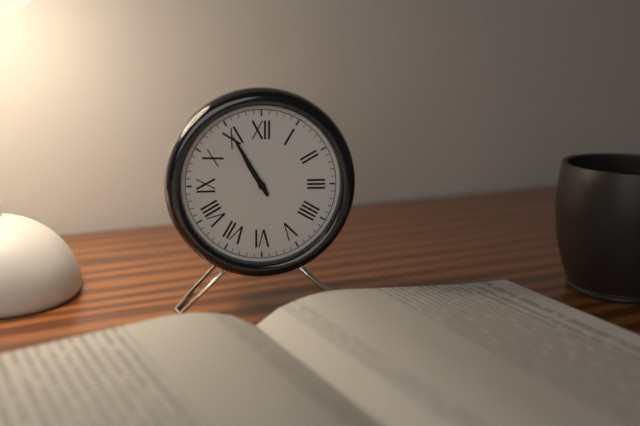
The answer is 10:55
